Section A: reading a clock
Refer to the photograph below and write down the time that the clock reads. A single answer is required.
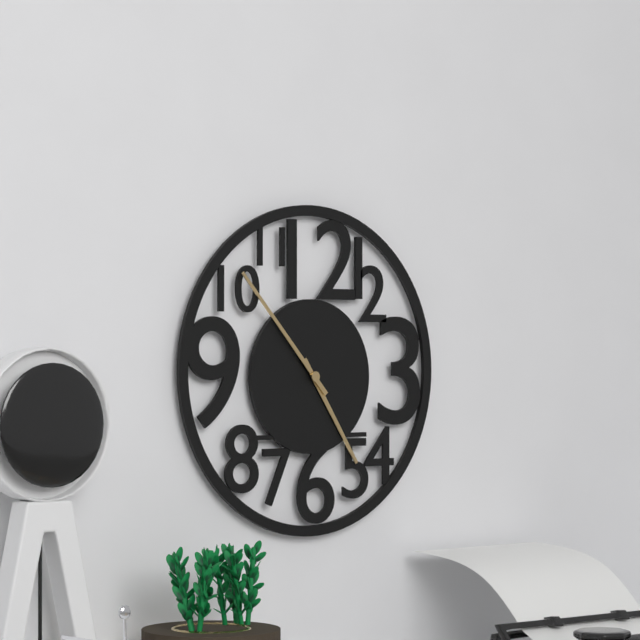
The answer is 4:53
